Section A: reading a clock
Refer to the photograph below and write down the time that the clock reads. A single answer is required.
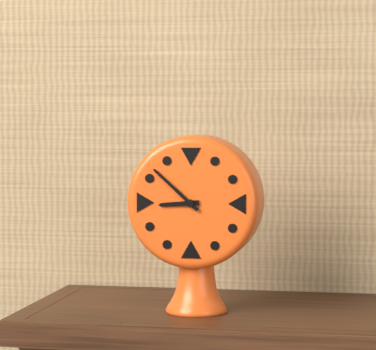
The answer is 8:52
